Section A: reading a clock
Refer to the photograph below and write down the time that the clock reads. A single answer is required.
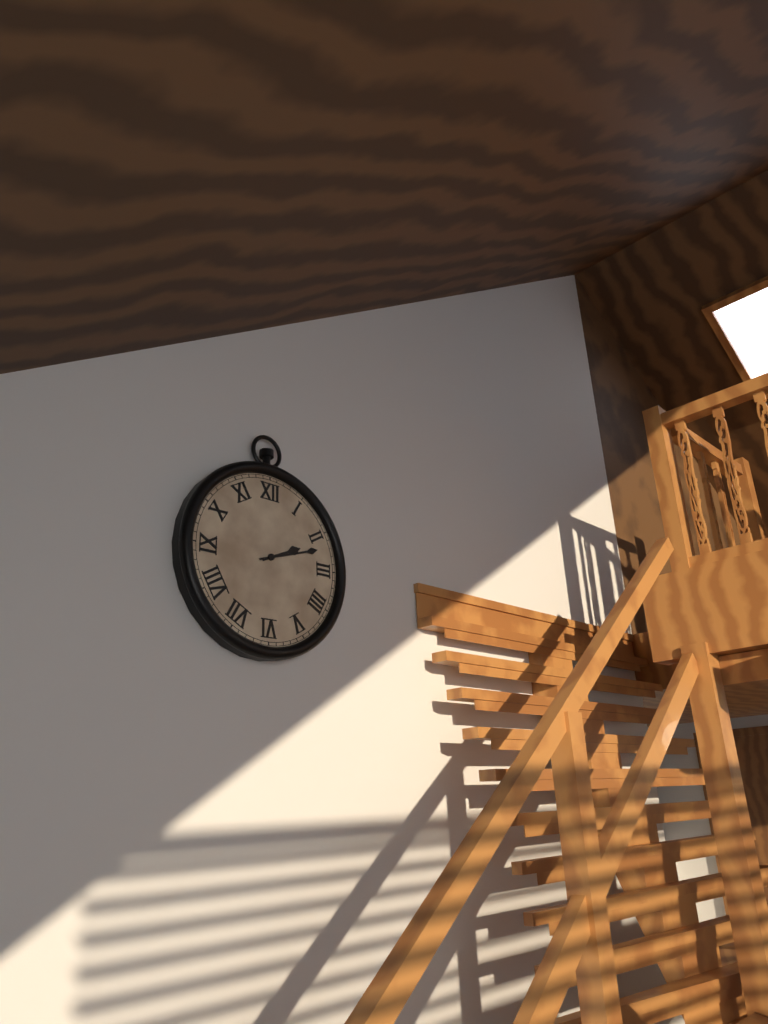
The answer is 2:12
